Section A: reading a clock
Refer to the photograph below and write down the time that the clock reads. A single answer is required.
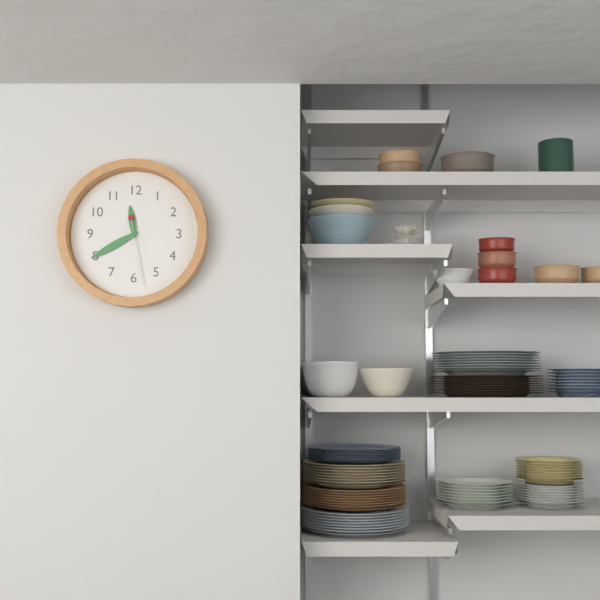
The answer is 11:40:28
